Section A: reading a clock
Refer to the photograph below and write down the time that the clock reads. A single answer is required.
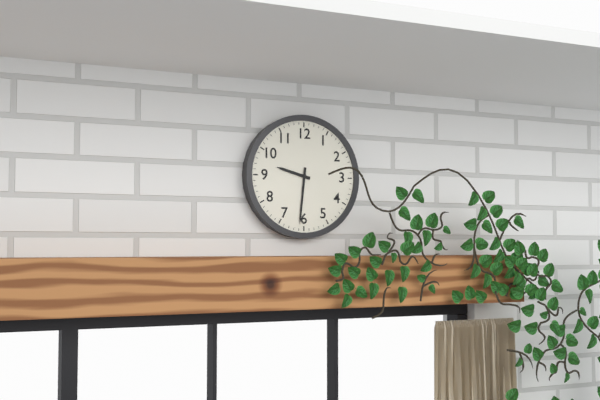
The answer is 9:31
